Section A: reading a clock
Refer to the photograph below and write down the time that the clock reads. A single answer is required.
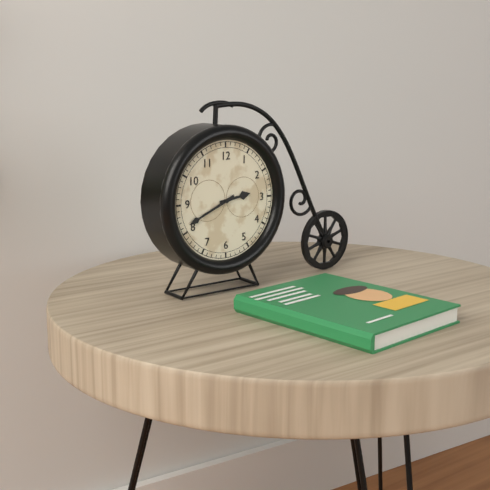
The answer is 2:41
